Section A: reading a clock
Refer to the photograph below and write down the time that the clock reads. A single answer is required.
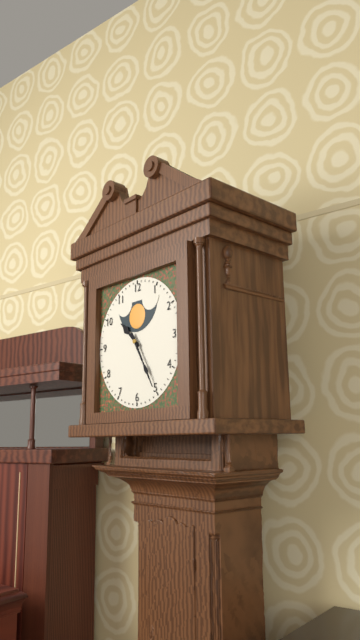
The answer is 10:25
